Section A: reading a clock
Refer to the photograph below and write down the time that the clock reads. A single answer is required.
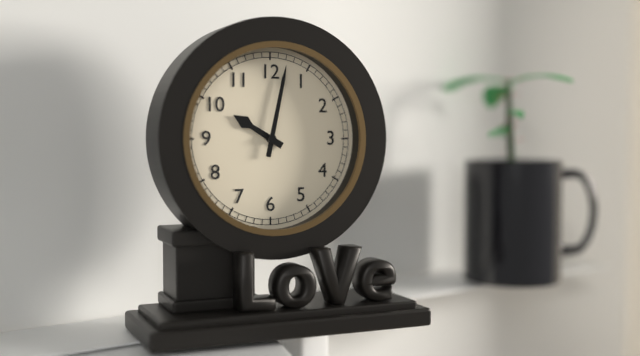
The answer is 10:02
